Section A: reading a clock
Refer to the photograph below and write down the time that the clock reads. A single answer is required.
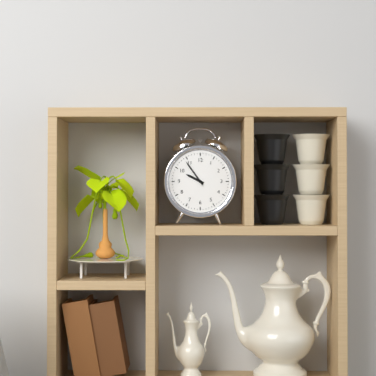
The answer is 9:54
